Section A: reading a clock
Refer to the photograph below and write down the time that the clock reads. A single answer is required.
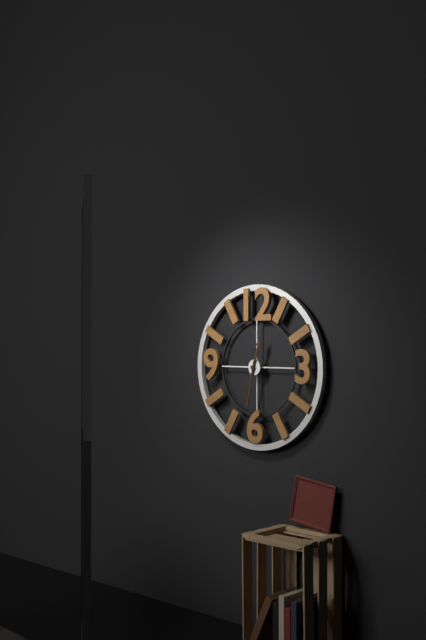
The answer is 12:32
